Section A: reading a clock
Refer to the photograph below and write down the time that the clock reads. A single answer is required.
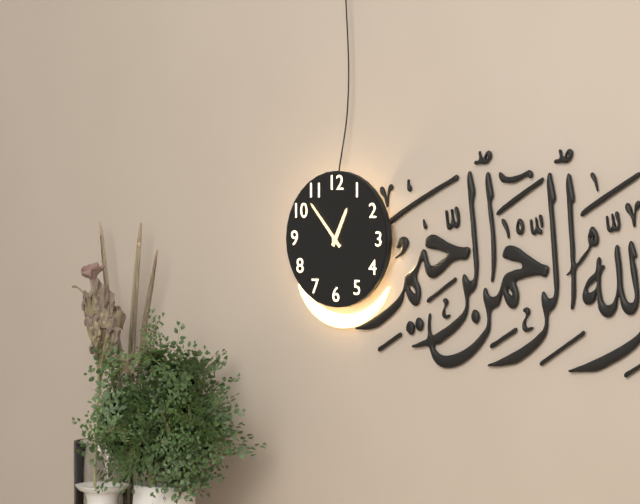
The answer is 12:53
